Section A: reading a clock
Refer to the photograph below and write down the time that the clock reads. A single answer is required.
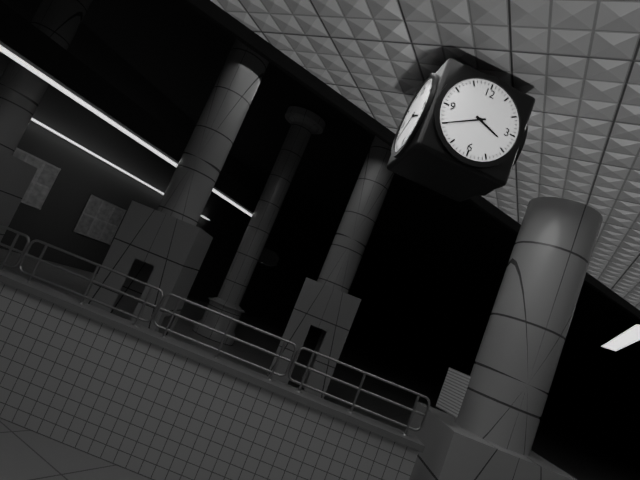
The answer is 3:40
